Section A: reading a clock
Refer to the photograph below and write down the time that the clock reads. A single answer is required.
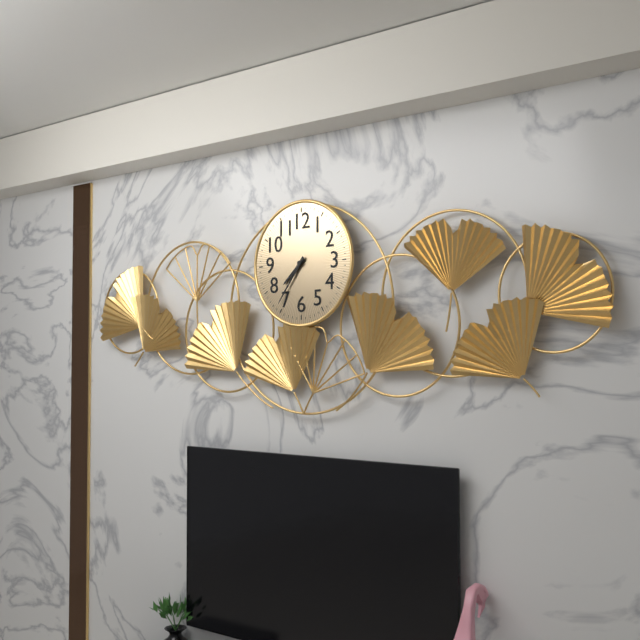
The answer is 7:36
